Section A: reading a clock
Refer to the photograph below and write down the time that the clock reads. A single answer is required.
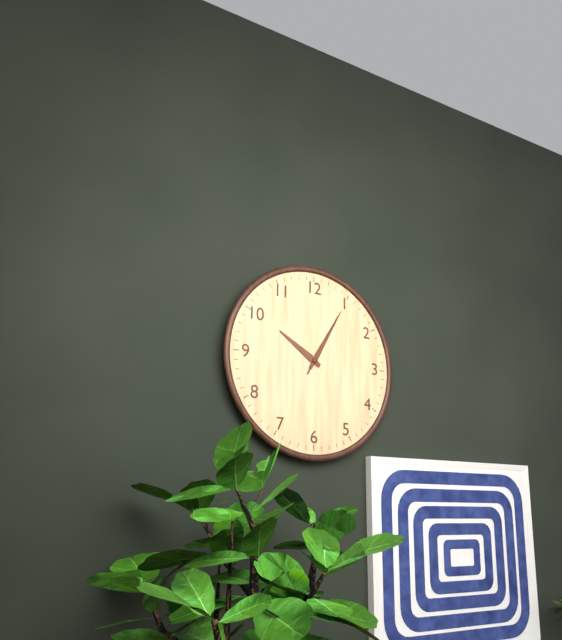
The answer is 10:05:05
